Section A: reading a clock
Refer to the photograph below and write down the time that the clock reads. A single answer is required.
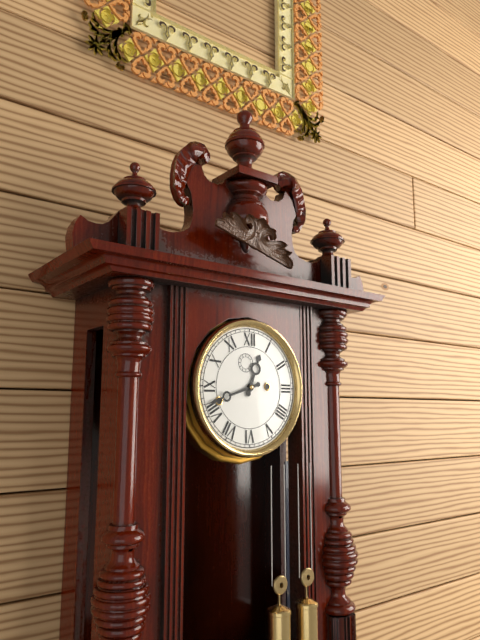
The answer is 12:42
